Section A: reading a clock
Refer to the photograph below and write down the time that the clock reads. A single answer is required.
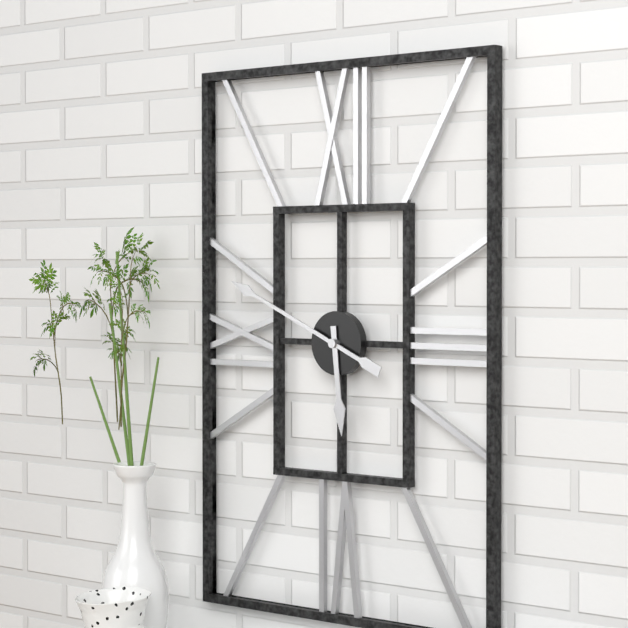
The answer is 5:49
